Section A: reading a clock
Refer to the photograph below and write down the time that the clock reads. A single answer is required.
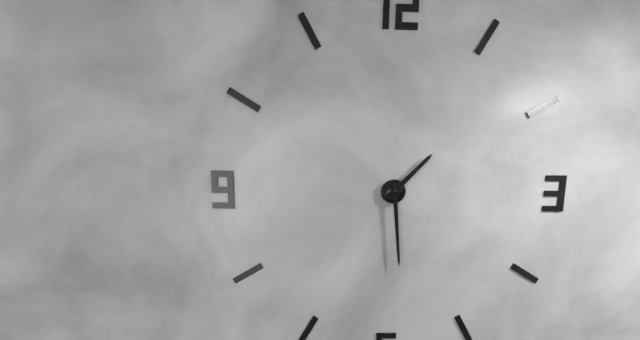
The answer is 1:29
